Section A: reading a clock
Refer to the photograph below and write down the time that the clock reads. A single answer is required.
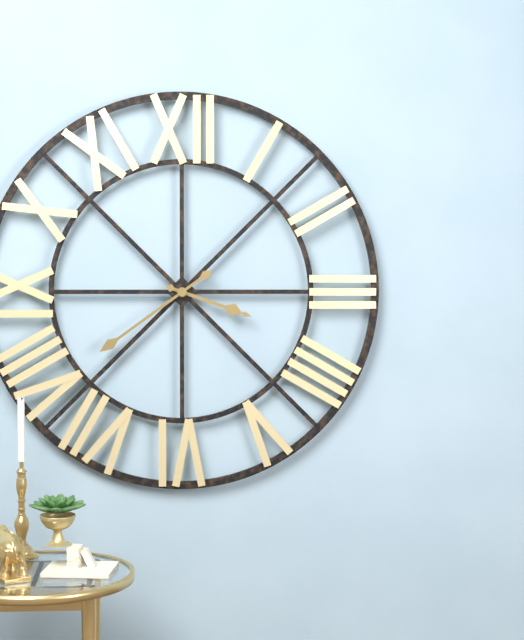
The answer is 3:39
